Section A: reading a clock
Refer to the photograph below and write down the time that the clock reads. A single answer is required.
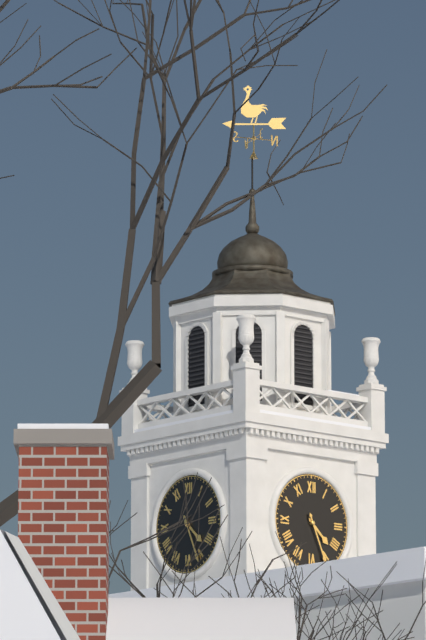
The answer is 4:26
